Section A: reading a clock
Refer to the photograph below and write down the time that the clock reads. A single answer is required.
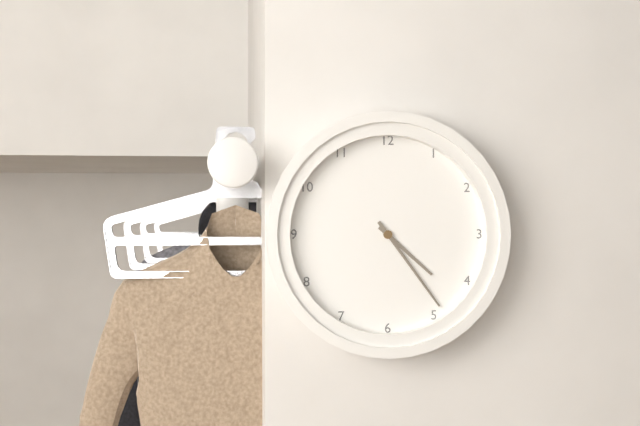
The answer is 4:24
